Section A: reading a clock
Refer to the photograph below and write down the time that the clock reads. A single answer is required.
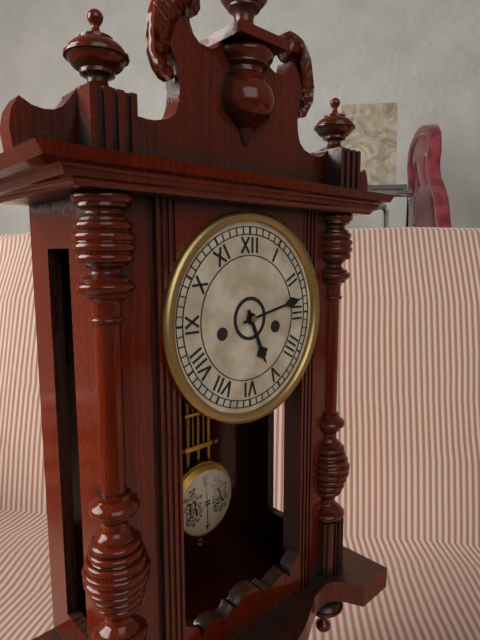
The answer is 5:13
